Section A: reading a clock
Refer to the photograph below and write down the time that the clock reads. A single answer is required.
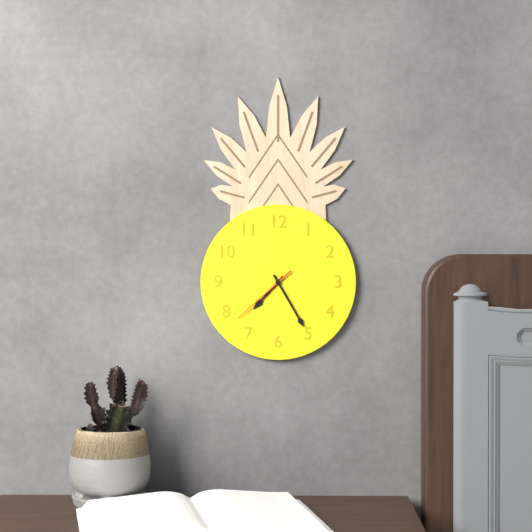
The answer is 7:25:38
